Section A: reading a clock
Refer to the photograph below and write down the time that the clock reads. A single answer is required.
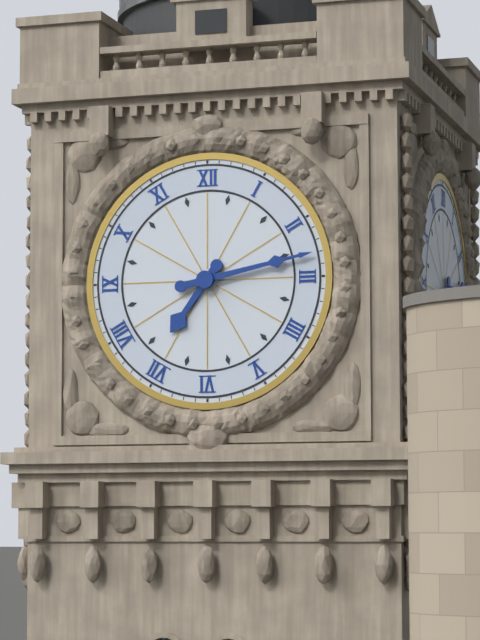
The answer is 7:13
